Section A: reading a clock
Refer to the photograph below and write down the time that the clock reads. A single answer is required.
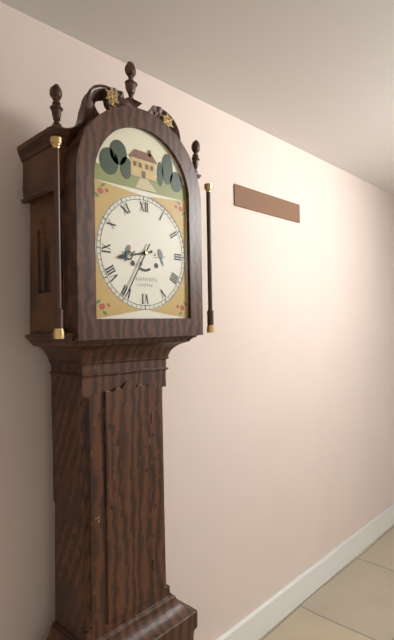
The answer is 8:35
